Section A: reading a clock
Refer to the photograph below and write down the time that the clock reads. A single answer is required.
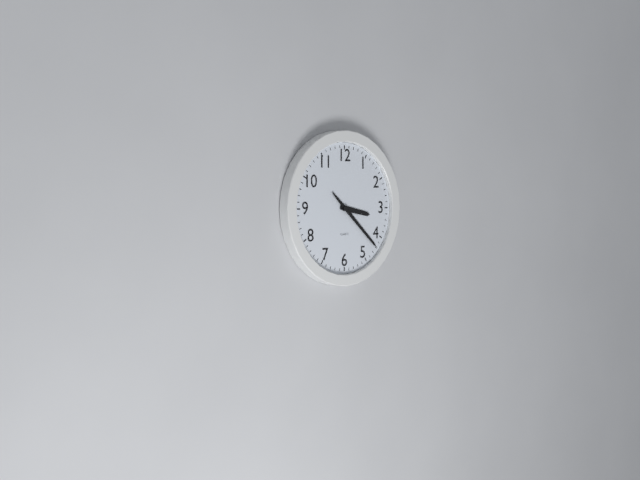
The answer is 3:22
